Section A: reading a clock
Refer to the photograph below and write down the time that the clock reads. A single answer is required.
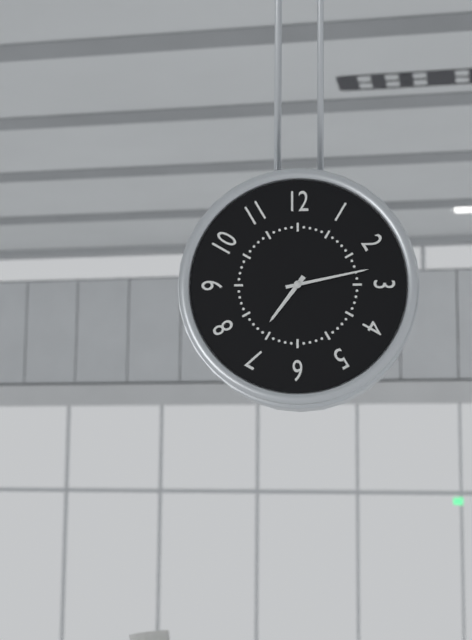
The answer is 7:13
